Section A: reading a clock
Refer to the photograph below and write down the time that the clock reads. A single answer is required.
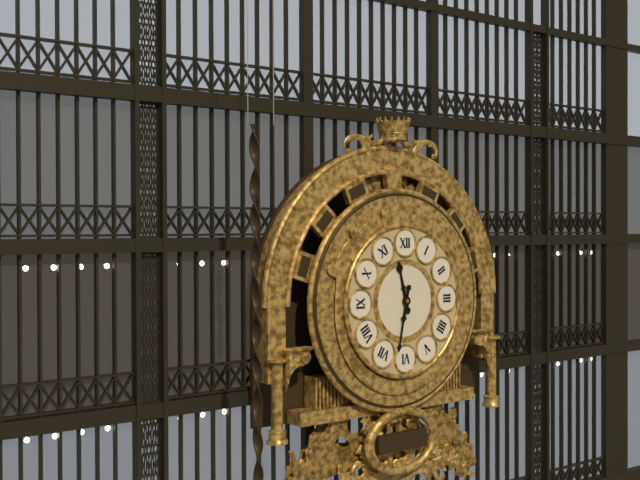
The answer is 11:32
